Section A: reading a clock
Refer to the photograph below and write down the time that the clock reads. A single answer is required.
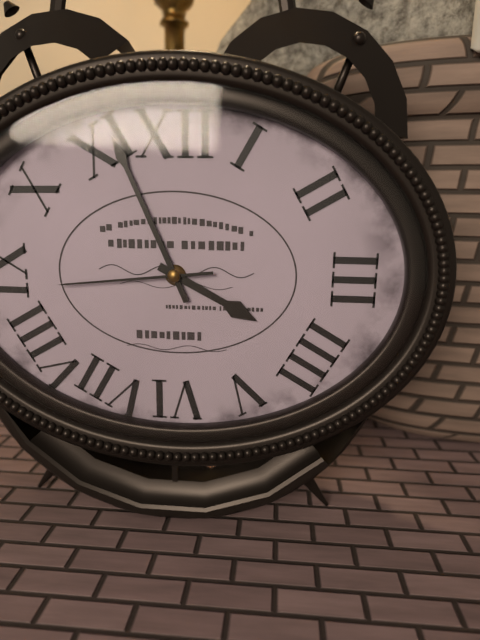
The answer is 3:56:44
